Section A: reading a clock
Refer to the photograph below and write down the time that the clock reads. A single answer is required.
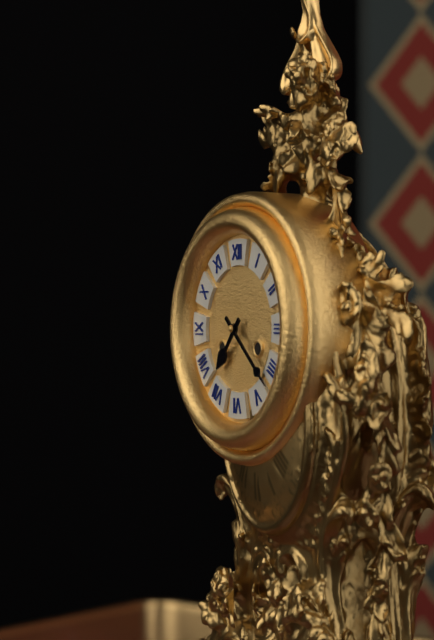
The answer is 7:22
